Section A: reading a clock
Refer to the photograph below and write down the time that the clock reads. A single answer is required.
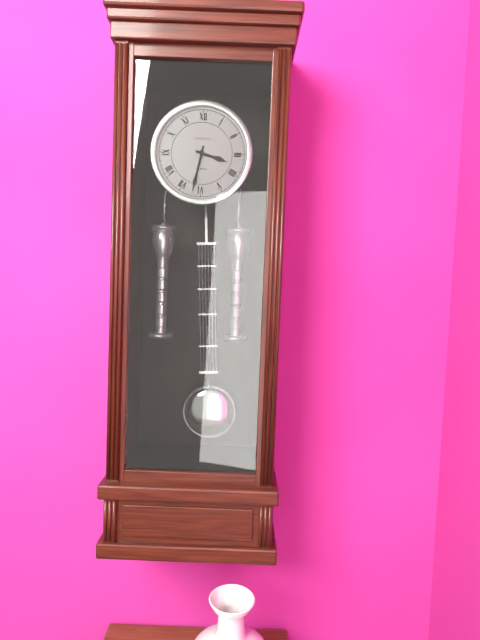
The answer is 3:32
